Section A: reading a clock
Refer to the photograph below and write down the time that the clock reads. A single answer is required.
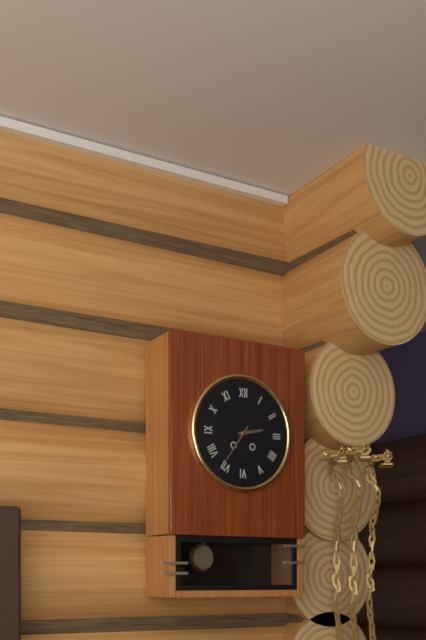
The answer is 2:36
